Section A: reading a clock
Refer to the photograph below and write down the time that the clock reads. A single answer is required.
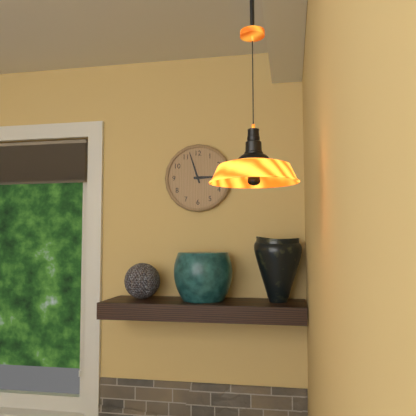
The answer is 2:57
